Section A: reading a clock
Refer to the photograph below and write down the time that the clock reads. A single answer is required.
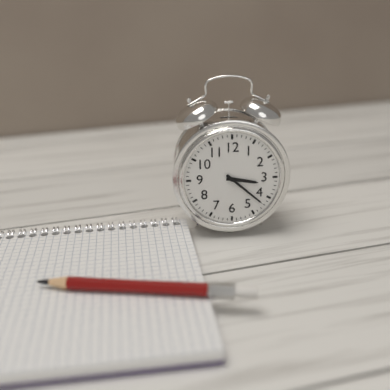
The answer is 3:22
